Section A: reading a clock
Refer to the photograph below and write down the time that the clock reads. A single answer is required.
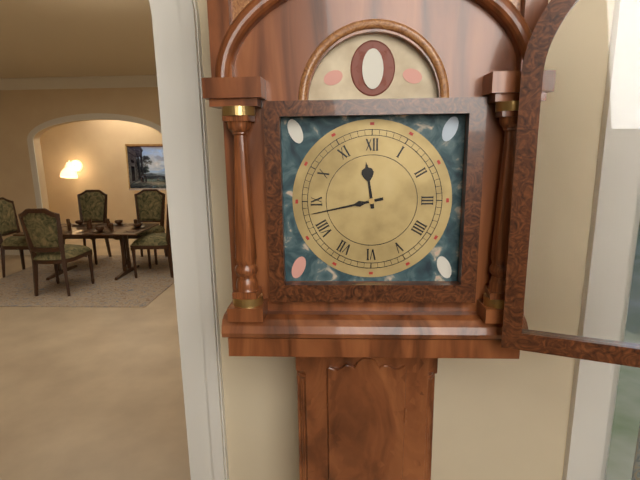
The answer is 11:43
